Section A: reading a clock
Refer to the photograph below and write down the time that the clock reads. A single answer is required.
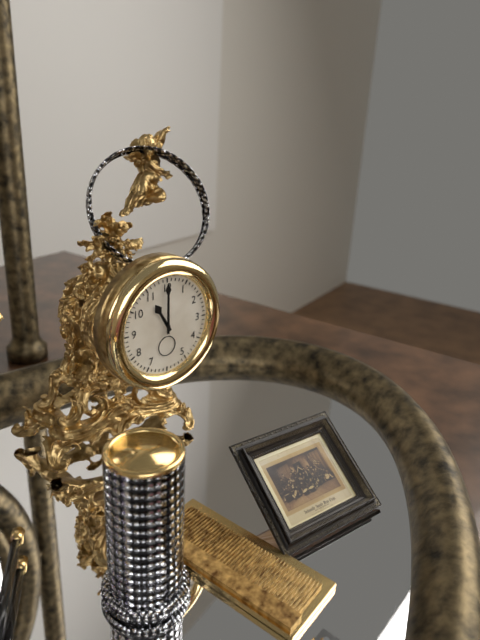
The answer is 11:00
